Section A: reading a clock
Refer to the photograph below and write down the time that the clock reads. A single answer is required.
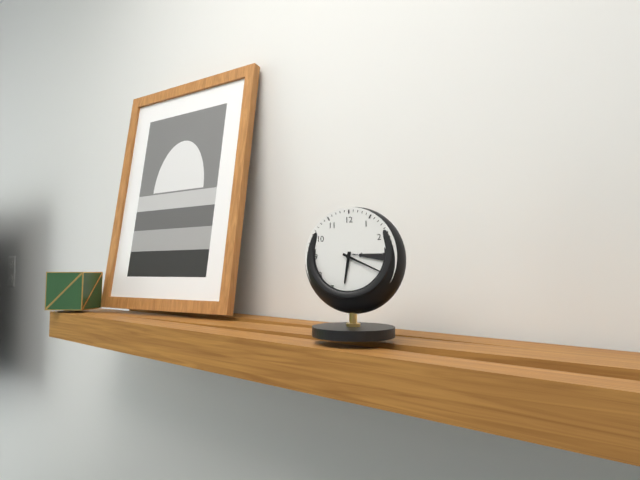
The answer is 6:19
